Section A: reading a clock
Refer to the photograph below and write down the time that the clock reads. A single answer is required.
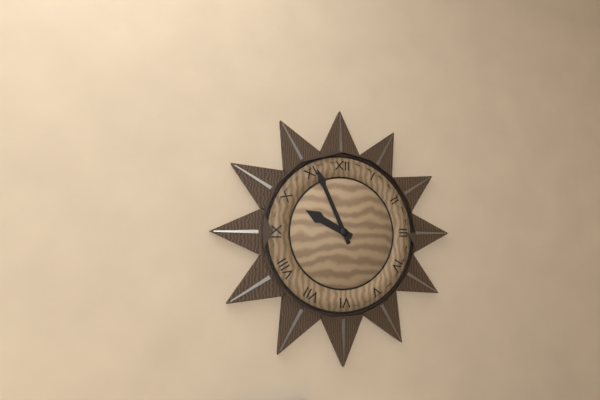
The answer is 9:56
